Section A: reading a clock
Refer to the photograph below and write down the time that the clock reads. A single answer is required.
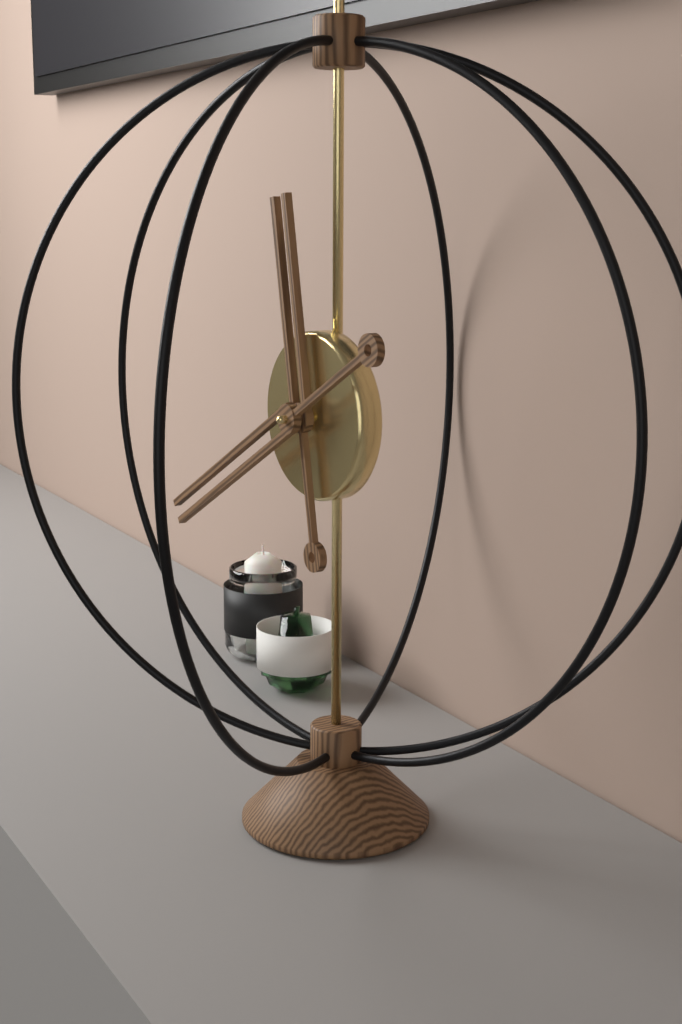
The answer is 11:40
